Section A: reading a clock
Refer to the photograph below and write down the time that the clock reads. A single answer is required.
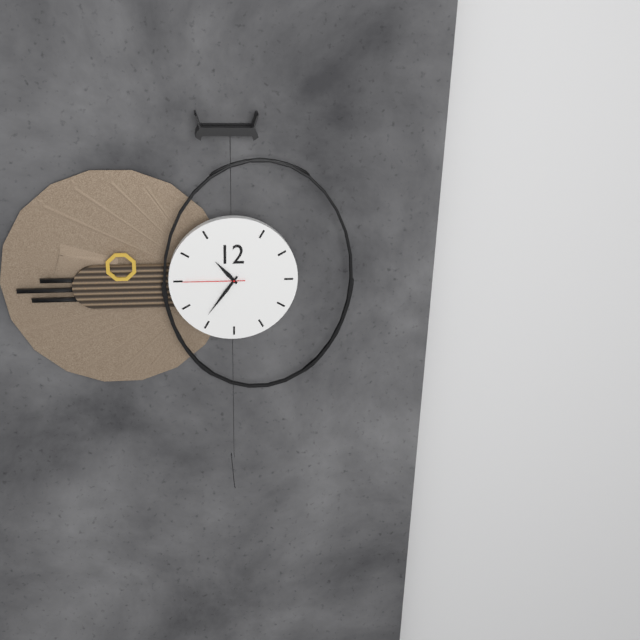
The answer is 10:36:45
